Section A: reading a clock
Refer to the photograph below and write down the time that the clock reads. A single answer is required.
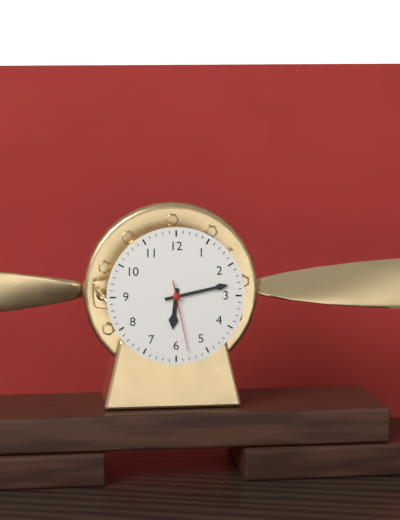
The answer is 6:13:28
